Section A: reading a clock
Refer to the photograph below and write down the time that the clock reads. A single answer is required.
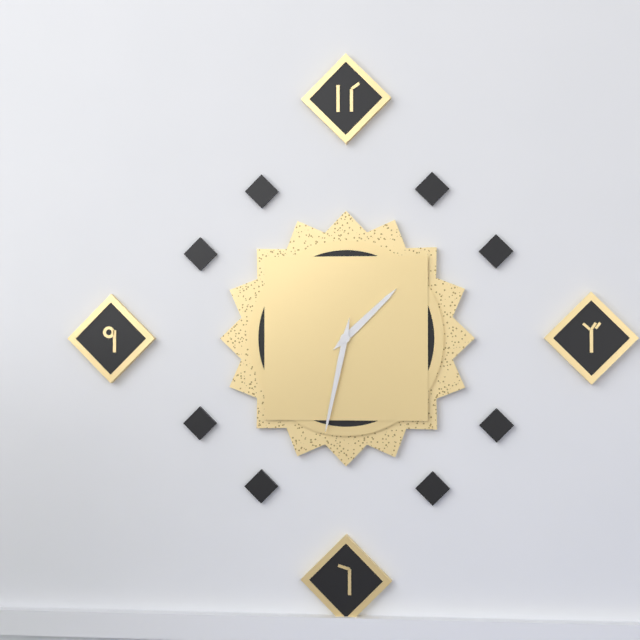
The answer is 1:32
